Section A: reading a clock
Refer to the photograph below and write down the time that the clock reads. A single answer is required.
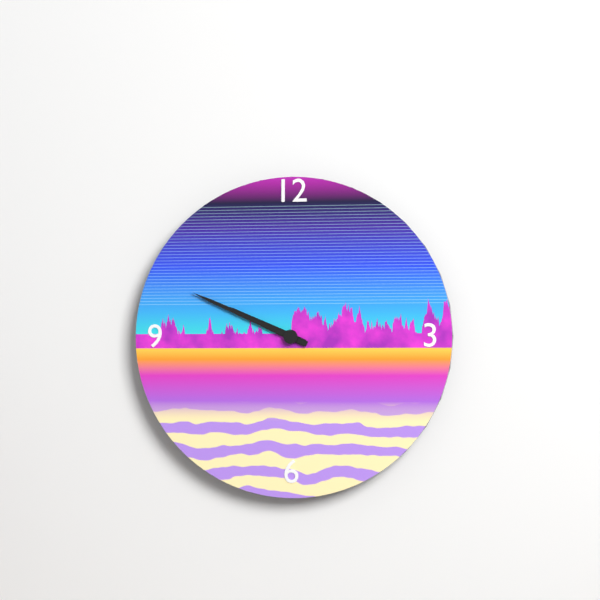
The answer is 9:49
